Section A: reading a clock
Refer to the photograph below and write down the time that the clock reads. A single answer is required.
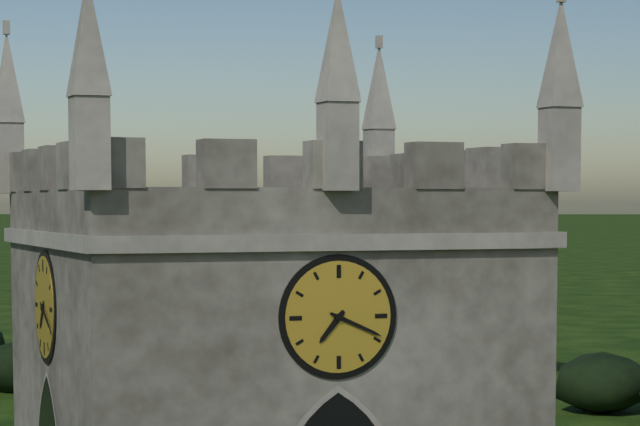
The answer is 7:19
